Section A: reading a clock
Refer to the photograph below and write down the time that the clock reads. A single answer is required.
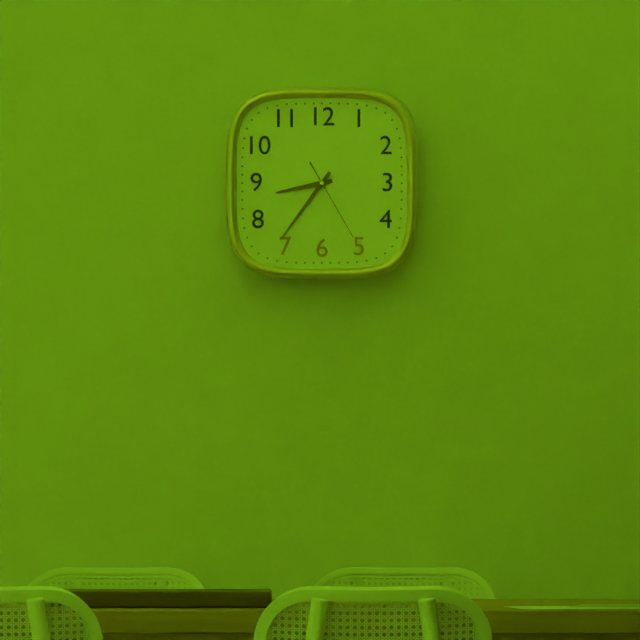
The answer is 8:36:25
